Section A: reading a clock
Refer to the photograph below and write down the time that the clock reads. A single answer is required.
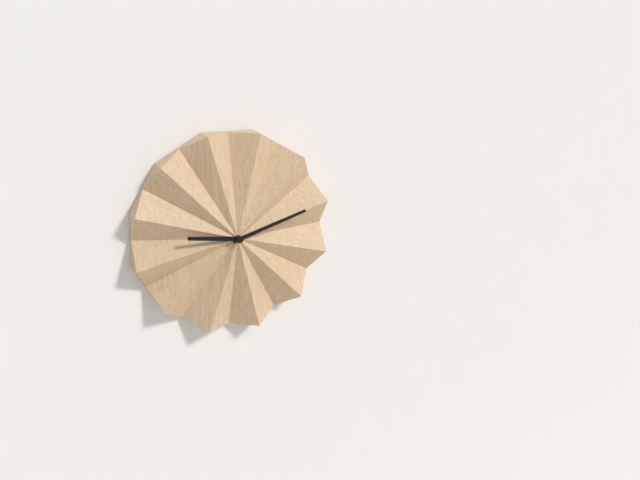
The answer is 9:12
